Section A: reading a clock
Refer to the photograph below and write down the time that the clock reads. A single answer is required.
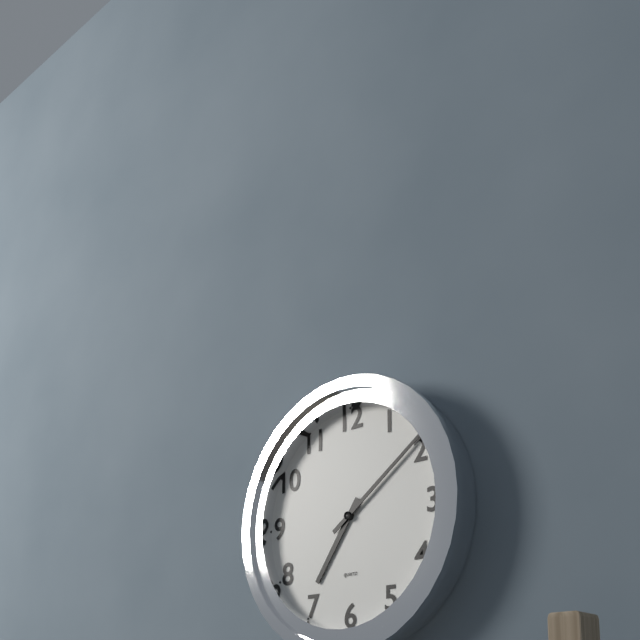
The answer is 7:09
